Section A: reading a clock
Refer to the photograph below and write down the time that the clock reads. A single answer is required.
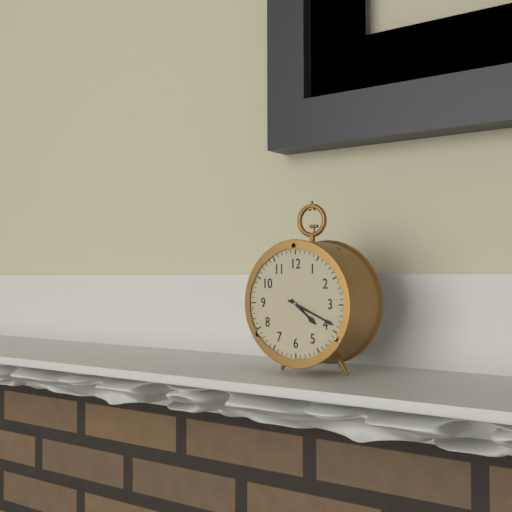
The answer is 4:19
